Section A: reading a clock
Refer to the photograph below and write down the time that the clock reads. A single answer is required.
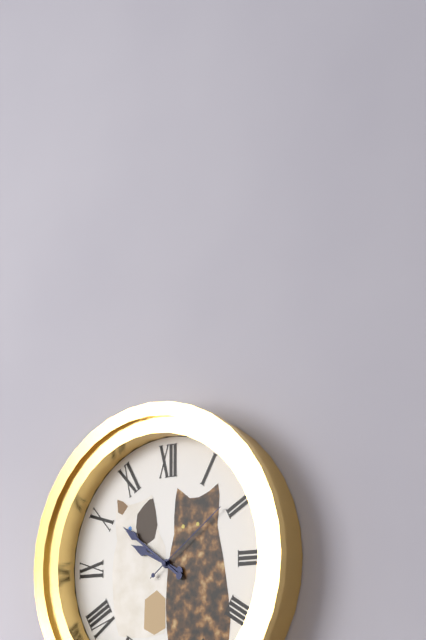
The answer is 9:51:09
